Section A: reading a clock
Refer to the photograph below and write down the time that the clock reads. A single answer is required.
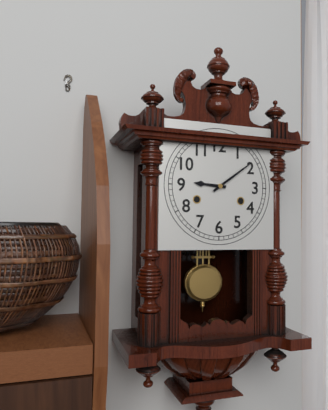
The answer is 9:09
